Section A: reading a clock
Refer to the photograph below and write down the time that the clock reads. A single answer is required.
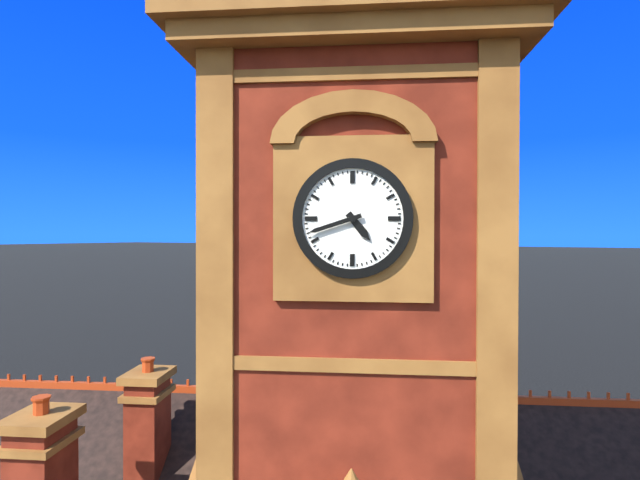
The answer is 4:42
